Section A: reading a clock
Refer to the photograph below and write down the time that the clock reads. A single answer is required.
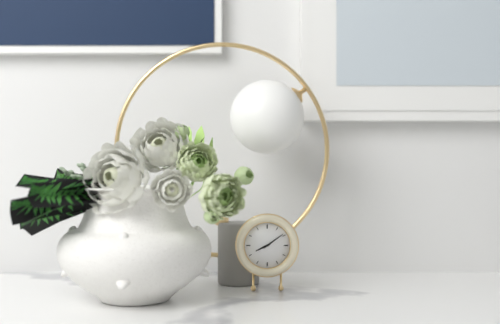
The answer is 8:09
